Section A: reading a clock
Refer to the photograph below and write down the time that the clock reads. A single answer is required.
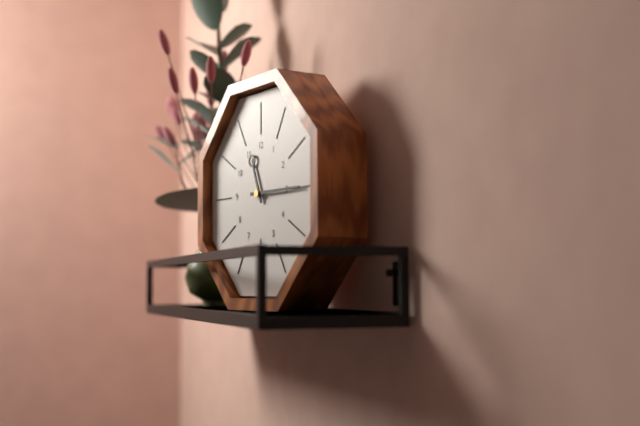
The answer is 11:15
